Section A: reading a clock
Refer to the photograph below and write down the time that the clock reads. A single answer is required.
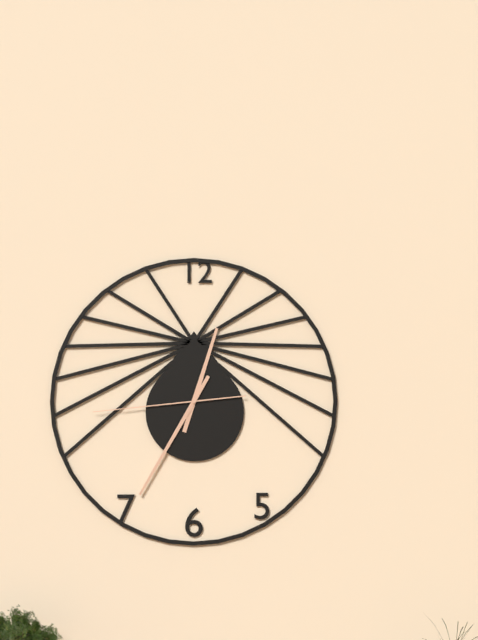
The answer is 12:35:44
